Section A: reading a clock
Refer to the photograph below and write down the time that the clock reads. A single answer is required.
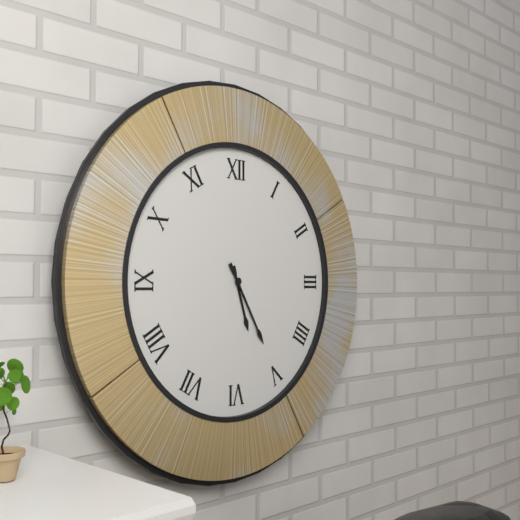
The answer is 5:25
